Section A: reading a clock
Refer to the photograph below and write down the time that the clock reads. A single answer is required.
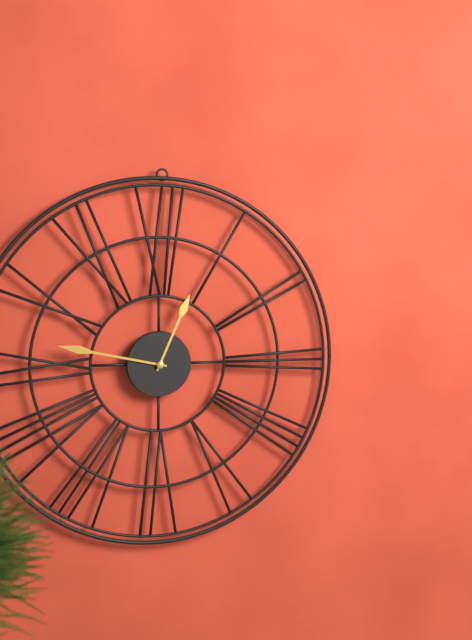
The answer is 12:47
